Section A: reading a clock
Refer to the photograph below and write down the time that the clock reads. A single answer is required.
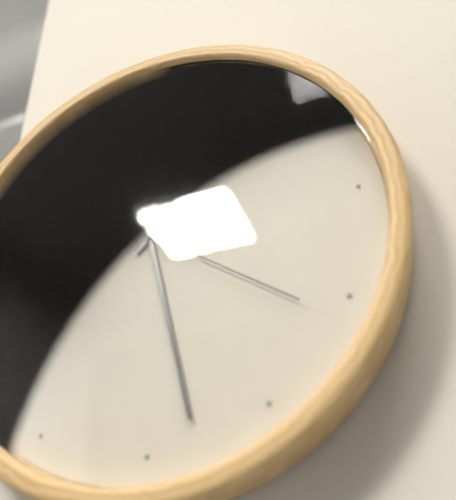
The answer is 1:28:21
